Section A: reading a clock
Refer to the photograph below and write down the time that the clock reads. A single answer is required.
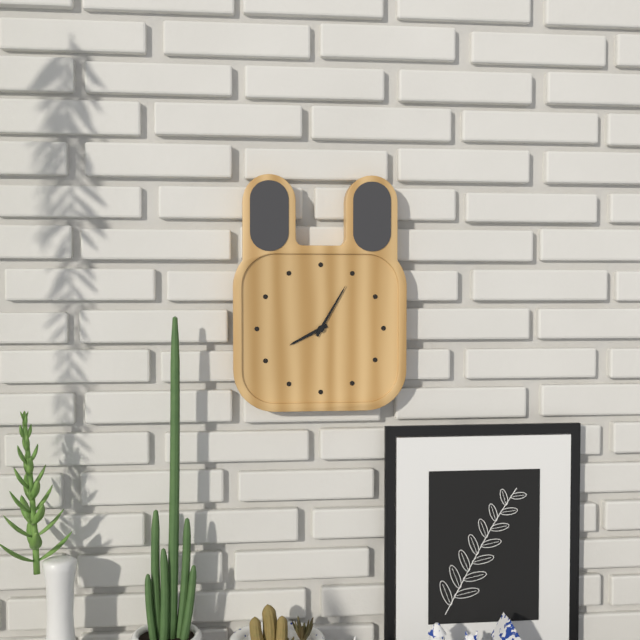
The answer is 8:05
